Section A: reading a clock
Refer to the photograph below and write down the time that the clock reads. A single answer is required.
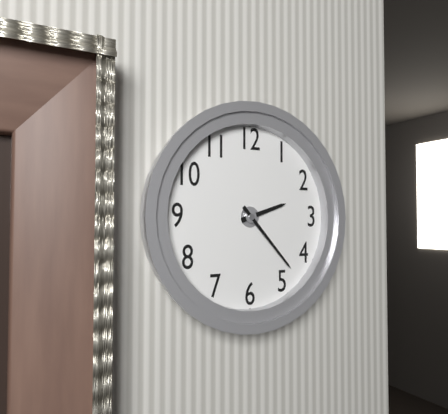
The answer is 2:23
